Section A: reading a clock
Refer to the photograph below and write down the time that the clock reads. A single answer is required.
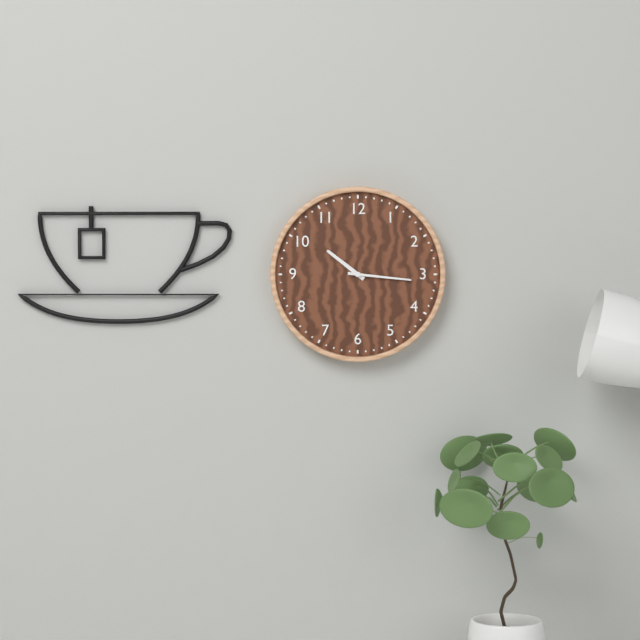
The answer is 10:16
